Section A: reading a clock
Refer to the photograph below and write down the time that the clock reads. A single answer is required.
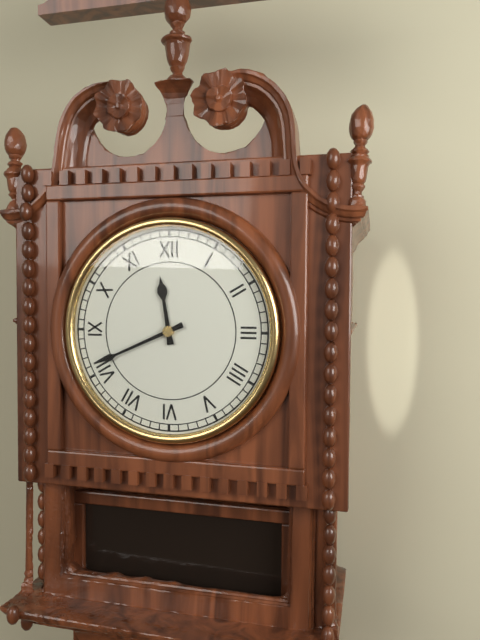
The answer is 11:41
